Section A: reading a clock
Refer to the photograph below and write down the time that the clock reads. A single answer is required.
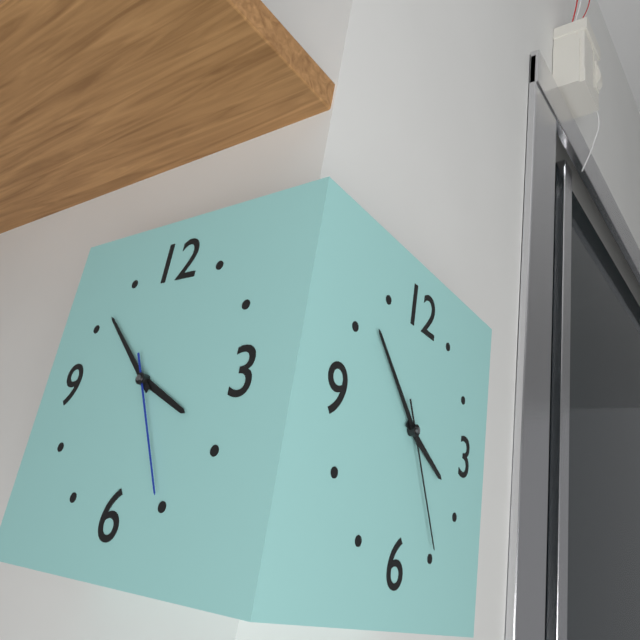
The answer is 3:52:25
